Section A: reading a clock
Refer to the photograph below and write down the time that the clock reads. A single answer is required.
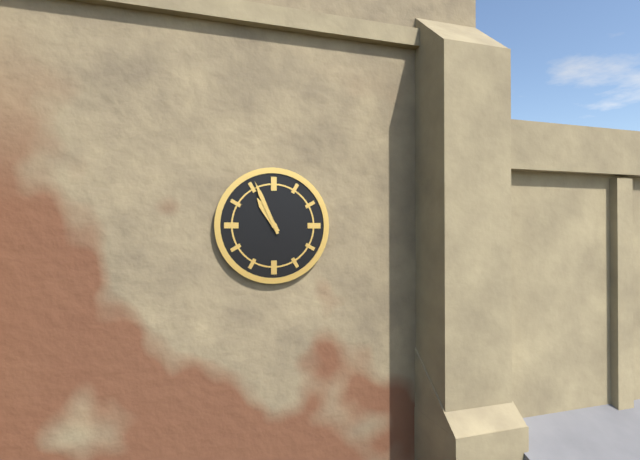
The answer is 10:56
